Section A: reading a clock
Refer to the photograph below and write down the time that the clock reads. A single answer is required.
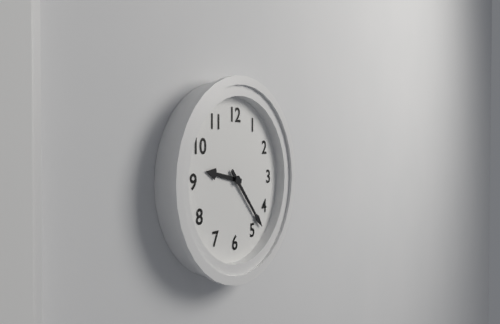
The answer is 9:23
